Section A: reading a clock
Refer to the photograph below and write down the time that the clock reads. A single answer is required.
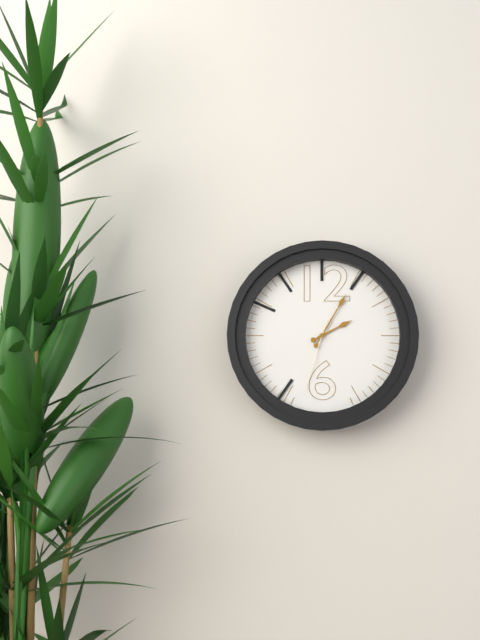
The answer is 2:05:33
